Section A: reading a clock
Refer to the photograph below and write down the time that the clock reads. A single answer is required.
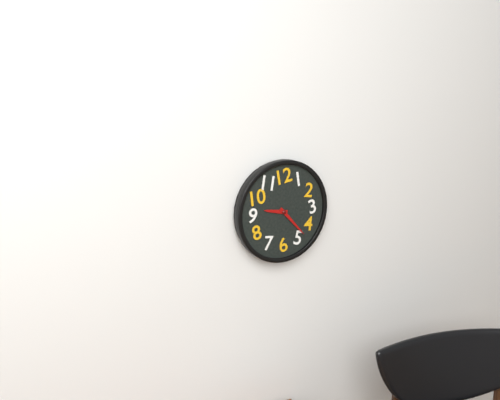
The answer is 9:23
